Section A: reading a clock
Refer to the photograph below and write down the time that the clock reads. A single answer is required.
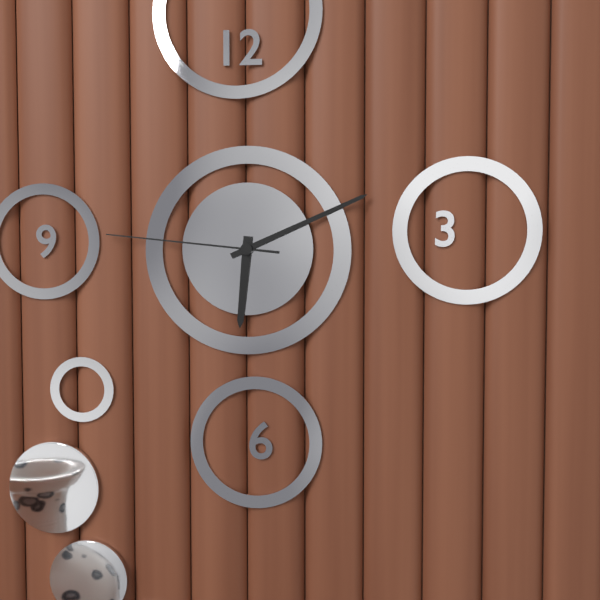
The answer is 6:11:46
